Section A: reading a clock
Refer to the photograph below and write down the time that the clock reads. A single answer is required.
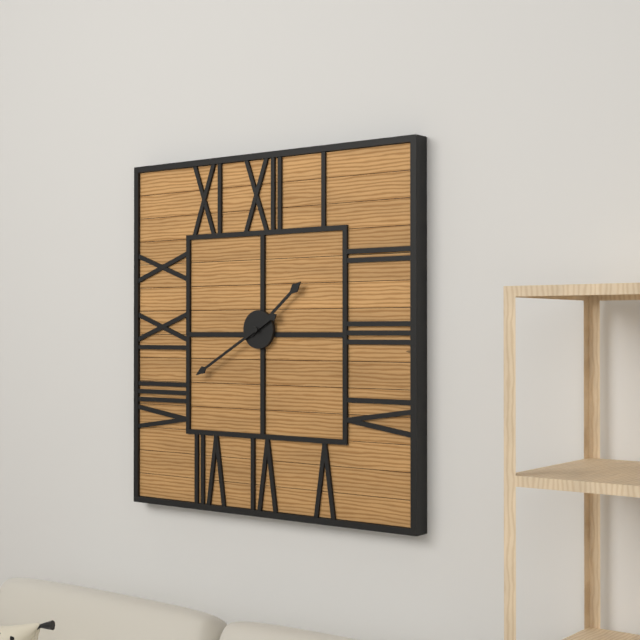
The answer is 1:40
